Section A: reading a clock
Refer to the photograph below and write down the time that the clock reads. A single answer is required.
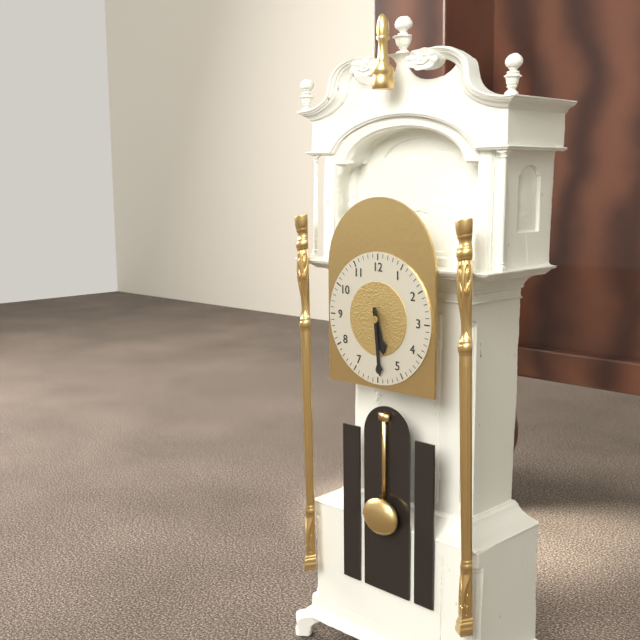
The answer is 5:29
